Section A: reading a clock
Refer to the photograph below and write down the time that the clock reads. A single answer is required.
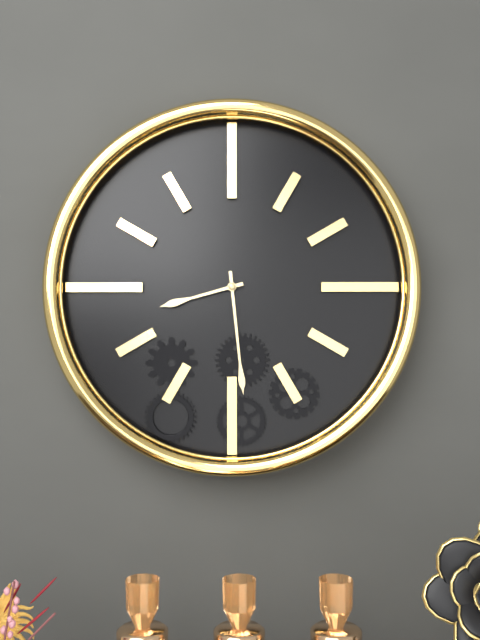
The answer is 8:29
